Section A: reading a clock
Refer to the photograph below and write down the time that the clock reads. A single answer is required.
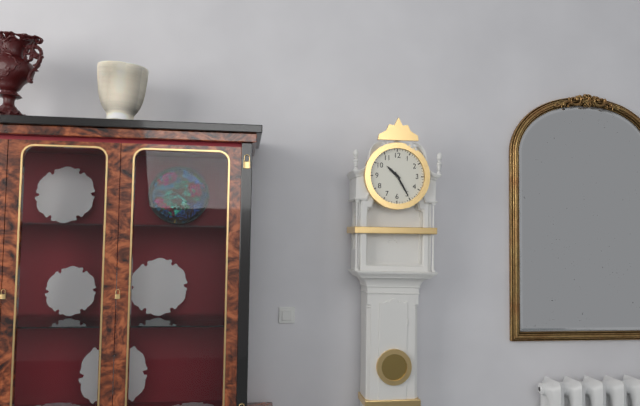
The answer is 10:25
